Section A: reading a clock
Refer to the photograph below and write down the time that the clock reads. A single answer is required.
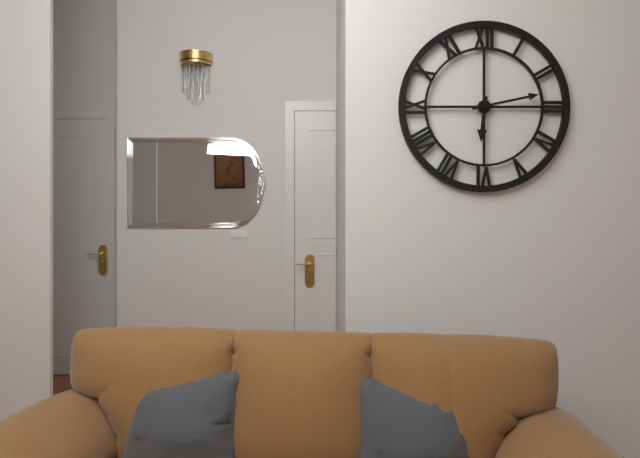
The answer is 6:13
